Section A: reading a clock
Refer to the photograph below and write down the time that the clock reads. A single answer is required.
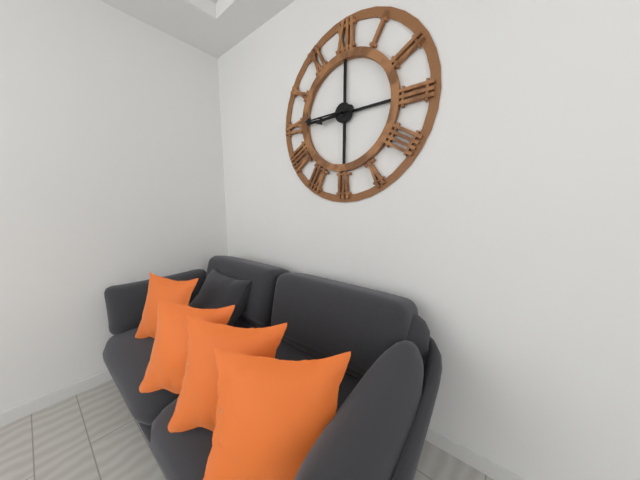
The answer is 8:45
